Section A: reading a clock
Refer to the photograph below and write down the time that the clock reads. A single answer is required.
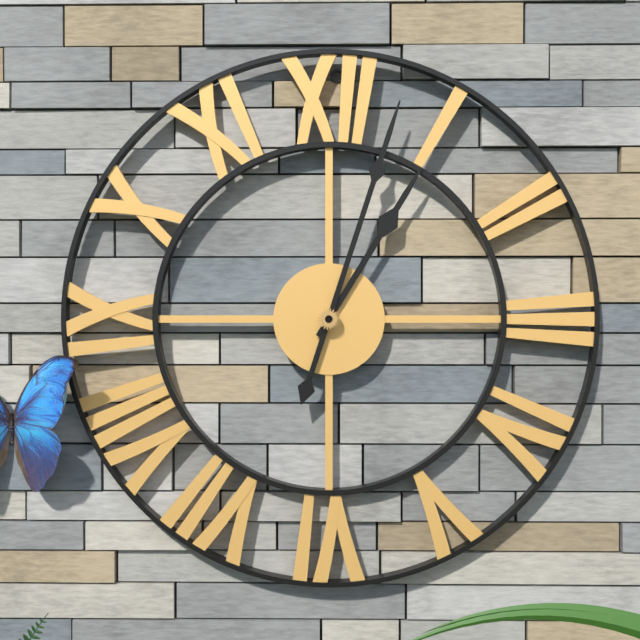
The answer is 1:03
